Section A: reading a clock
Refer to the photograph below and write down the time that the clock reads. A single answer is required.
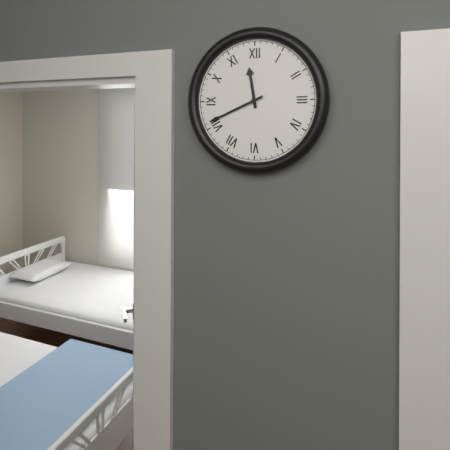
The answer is 11:41
